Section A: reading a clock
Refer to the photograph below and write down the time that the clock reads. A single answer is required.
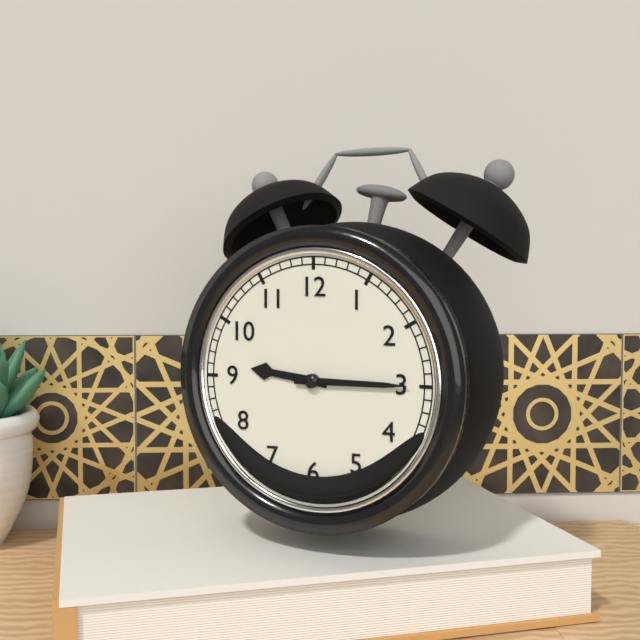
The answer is 9:15
